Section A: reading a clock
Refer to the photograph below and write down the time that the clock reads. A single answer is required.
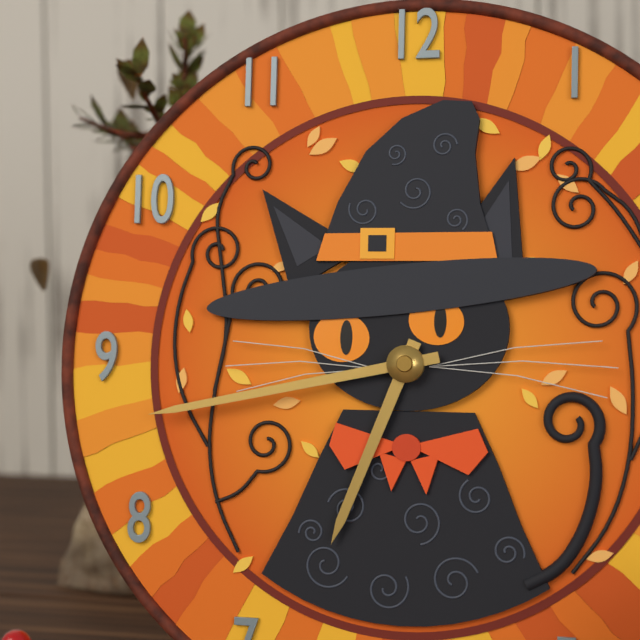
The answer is 6:43
